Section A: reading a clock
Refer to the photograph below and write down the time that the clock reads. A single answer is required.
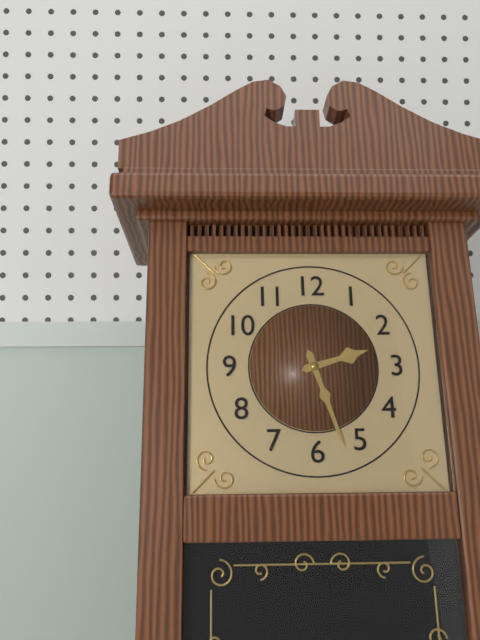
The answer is 2:27
